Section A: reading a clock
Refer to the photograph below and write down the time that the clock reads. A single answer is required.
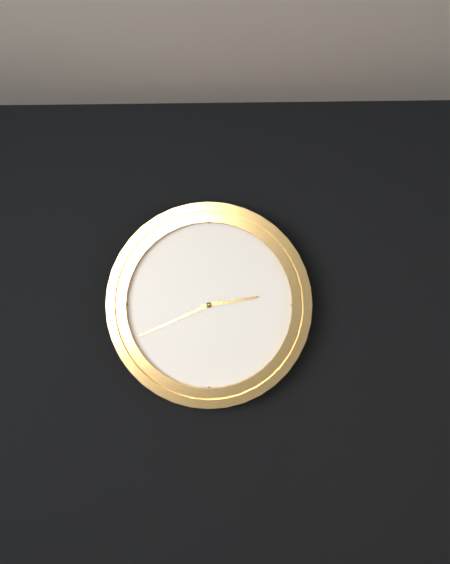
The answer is 2:41
